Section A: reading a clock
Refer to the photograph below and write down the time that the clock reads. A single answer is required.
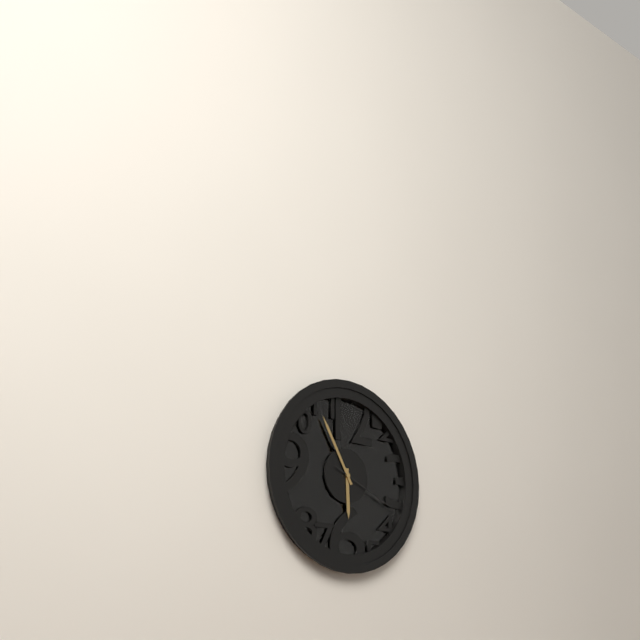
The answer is 5:55:19
